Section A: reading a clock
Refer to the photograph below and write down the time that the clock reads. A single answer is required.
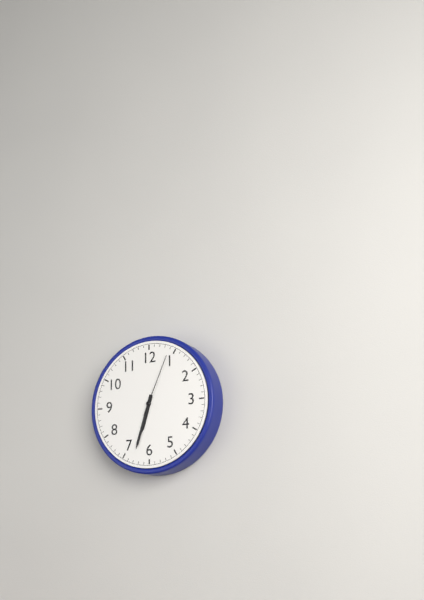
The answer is 6:33:04
